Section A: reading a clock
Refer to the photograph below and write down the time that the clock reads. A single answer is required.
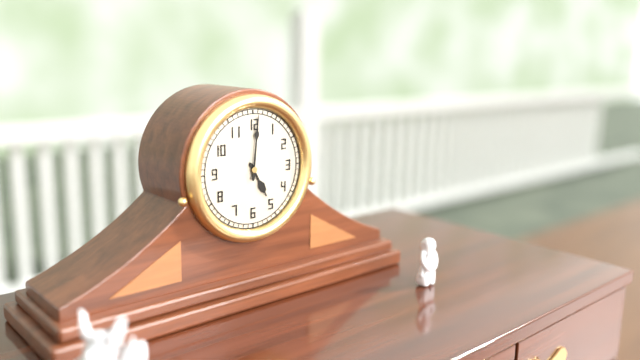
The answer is 5:01
